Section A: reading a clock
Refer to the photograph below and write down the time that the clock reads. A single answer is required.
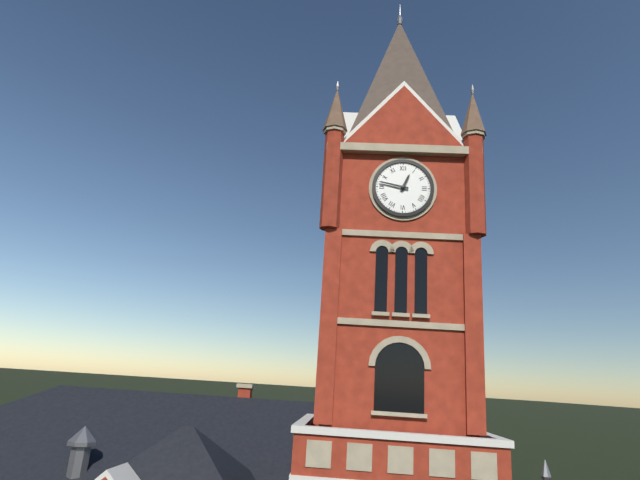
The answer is 12:47
